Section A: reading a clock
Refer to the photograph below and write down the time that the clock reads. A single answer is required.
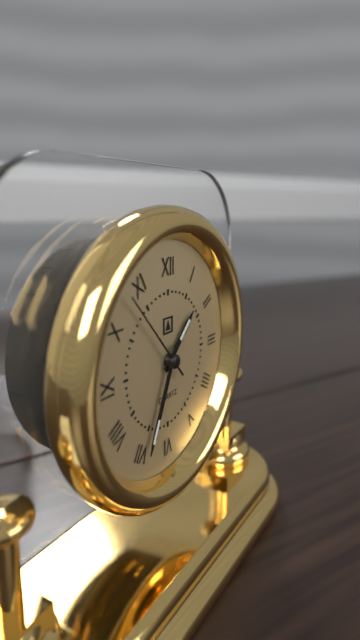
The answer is 1:34:53
